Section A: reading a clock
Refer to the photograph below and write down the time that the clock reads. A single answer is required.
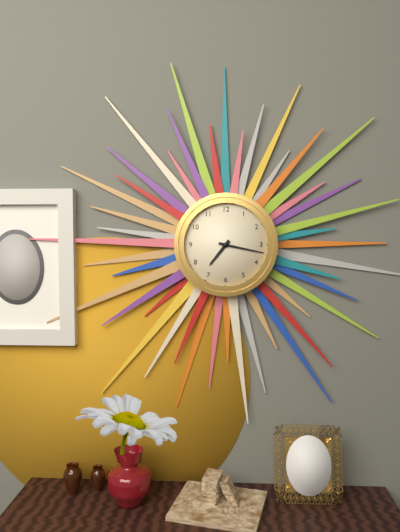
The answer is 7:17
